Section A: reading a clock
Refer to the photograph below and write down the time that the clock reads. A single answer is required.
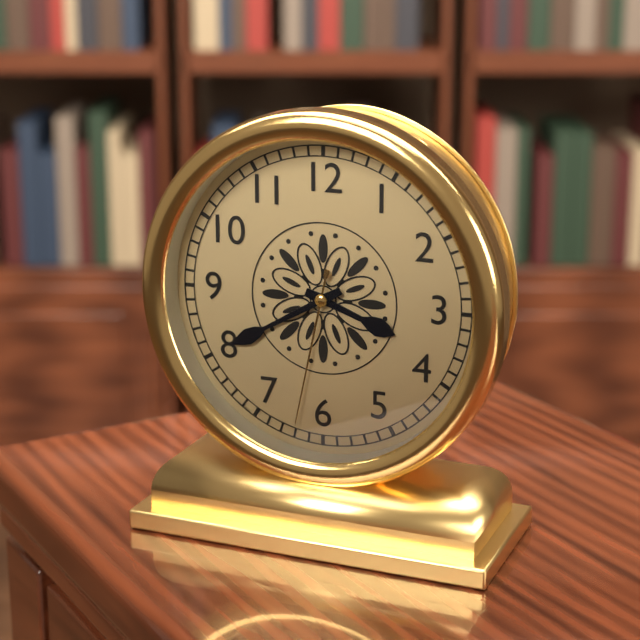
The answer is 3:40:32
